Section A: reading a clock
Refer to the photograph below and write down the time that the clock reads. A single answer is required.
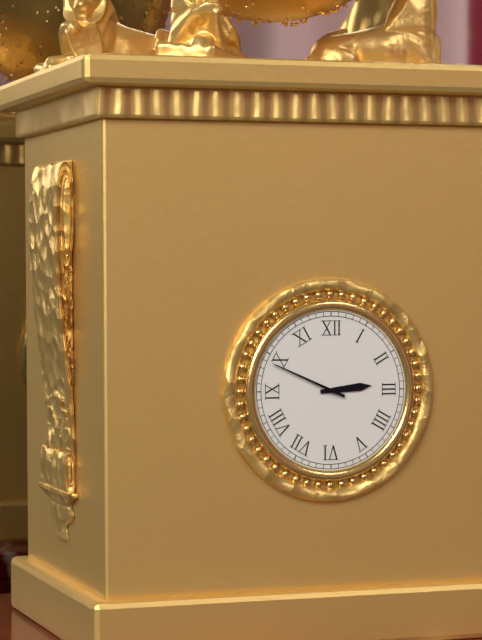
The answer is 2:49
